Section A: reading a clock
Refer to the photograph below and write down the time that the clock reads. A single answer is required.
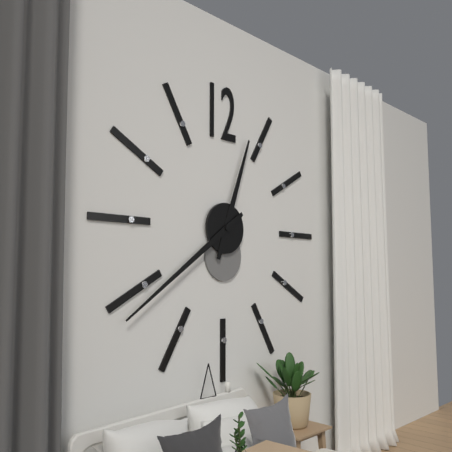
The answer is 12:39
